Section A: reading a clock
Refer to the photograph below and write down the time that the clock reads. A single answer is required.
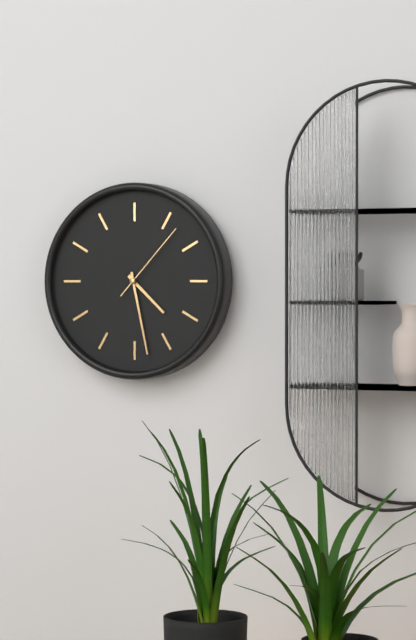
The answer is 4:28:07
